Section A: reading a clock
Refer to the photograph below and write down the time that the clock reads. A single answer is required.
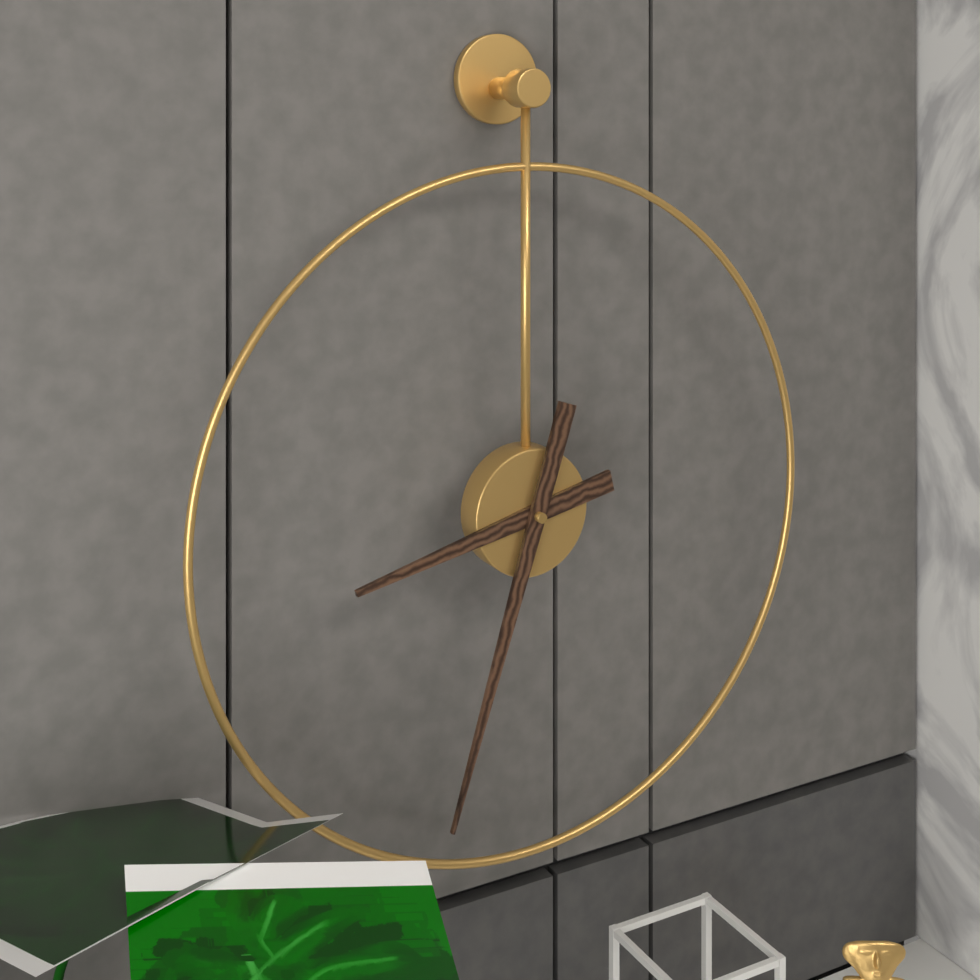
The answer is 8:33
